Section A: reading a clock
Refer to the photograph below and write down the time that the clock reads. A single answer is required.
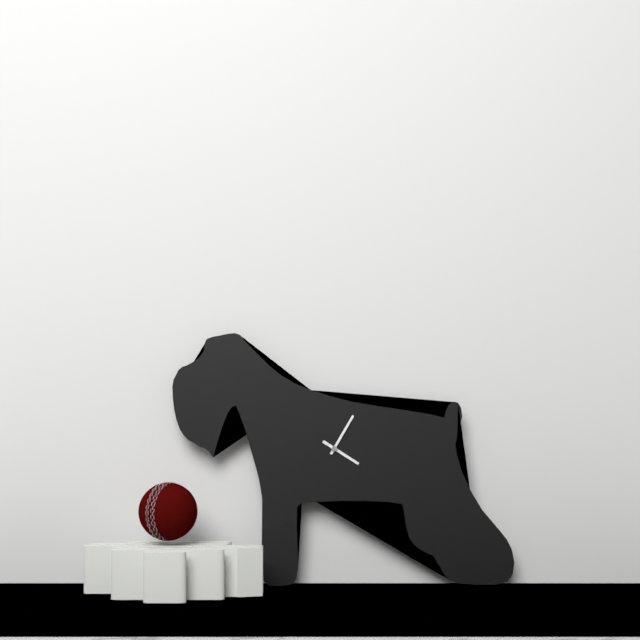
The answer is 4:05
